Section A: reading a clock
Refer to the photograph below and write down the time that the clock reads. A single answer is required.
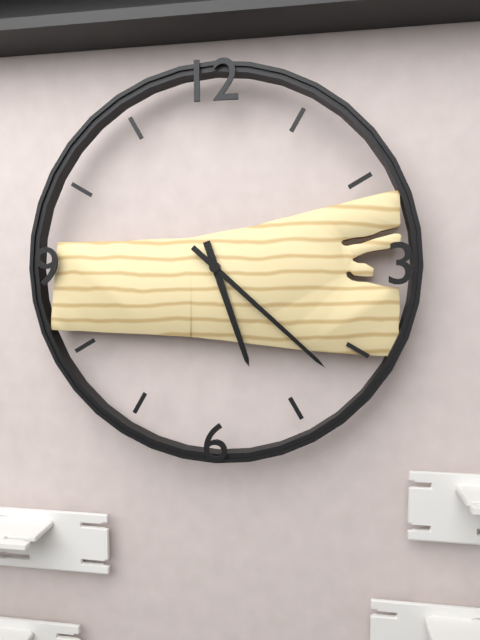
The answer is 5:22
